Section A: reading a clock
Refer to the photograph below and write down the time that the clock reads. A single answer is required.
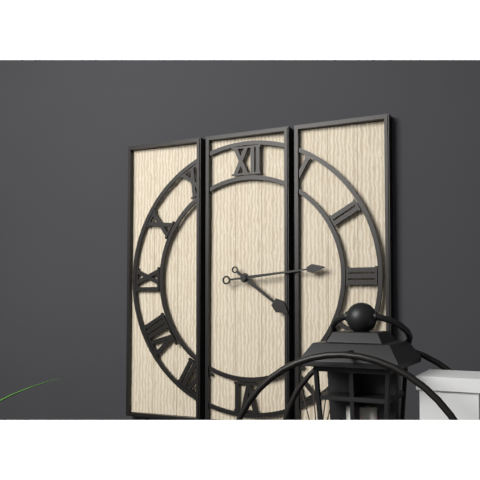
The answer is 4:14
